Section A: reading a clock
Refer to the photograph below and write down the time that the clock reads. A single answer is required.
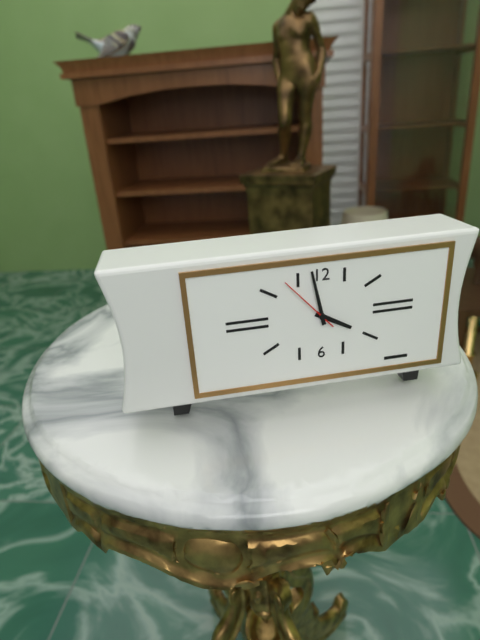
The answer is 3:58:53
